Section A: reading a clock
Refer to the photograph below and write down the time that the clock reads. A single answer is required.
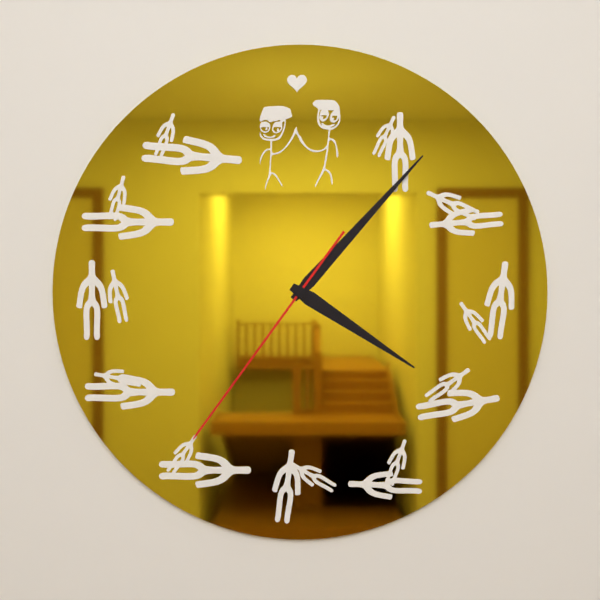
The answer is 4:07:36
